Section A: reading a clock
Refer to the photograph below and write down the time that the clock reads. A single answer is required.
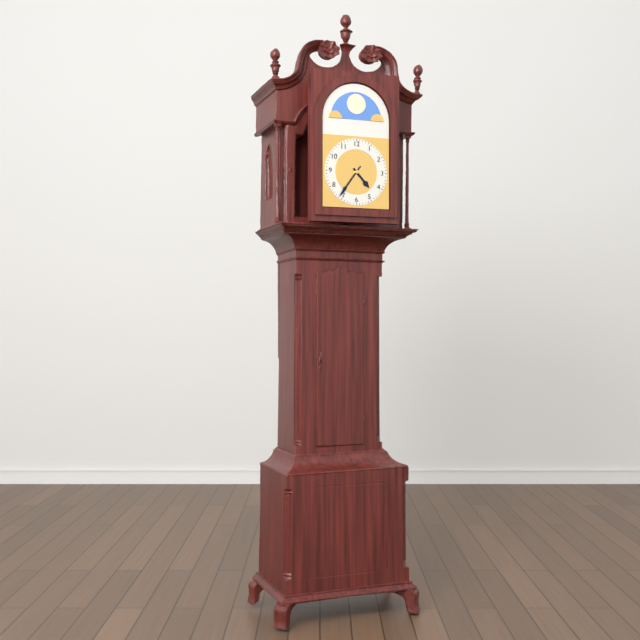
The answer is 4:36
